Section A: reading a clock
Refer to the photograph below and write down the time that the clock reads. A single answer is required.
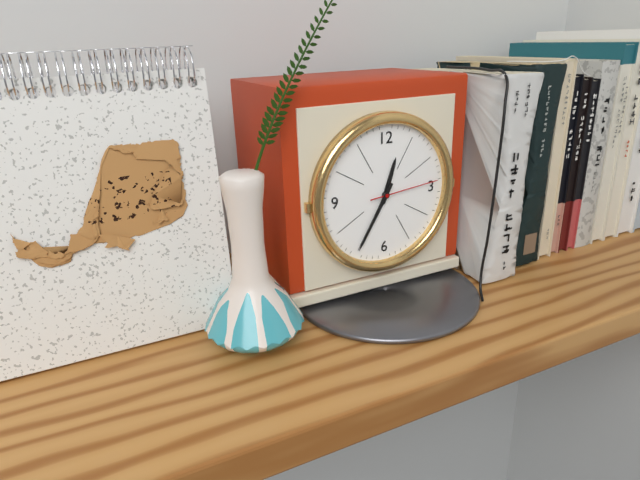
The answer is 12:35:14
